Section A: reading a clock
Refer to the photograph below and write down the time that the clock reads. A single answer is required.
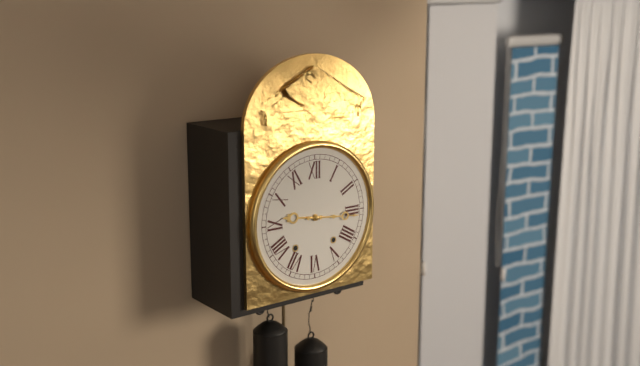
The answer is 9:16
